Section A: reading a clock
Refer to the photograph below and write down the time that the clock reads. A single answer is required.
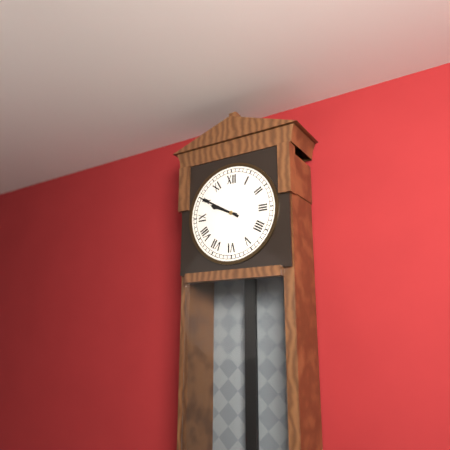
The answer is 9:50
